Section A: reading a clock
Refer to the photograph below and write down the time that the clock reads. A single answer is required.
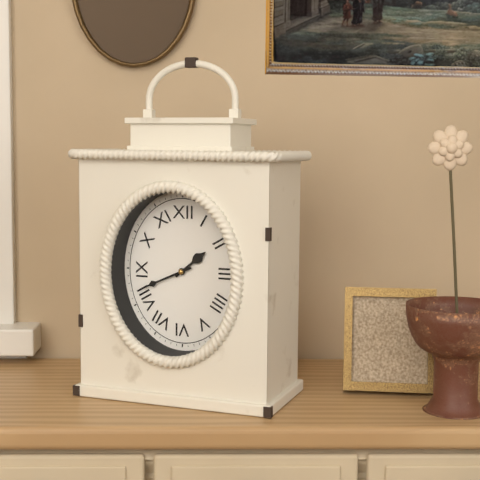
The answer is 1:41
